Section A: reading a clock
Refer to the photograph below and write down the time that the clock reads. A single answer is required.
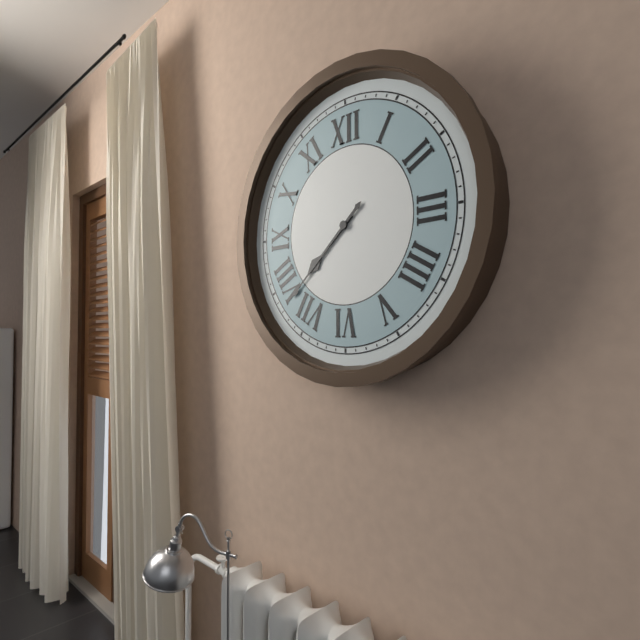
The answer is 7:38
